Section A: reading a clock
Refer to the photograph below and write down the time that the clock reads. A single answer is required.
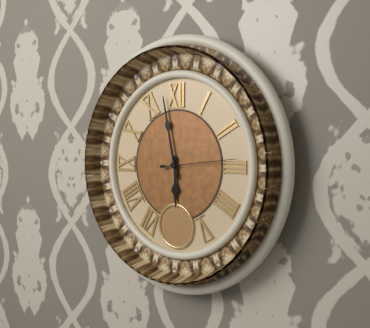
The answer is 5:58:14
